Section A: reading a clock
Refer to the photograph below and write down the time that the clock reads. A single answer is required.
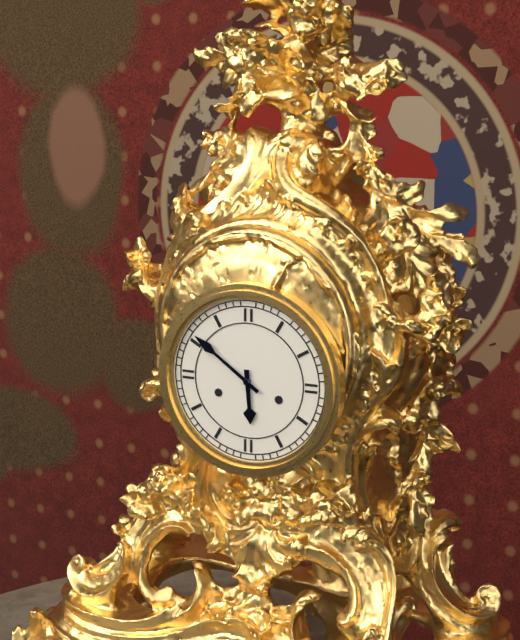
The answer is 5:51
